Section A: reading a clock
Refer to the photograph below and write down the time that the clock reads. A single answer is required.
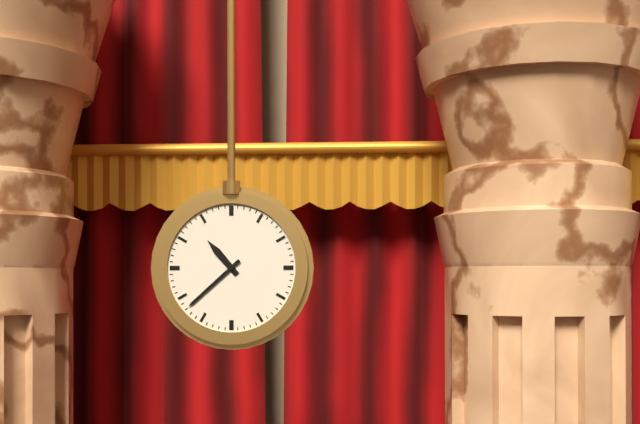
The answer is 10:38
